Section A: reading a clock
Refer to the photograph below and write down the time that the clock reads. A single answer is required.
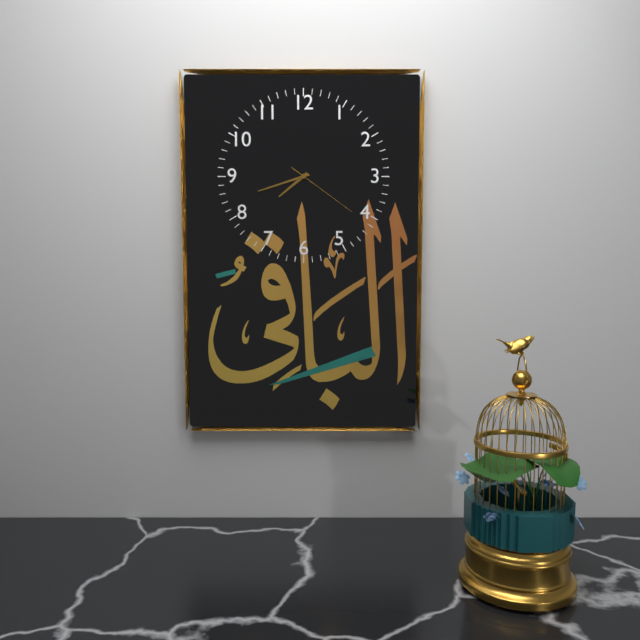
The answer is 7:42:21
